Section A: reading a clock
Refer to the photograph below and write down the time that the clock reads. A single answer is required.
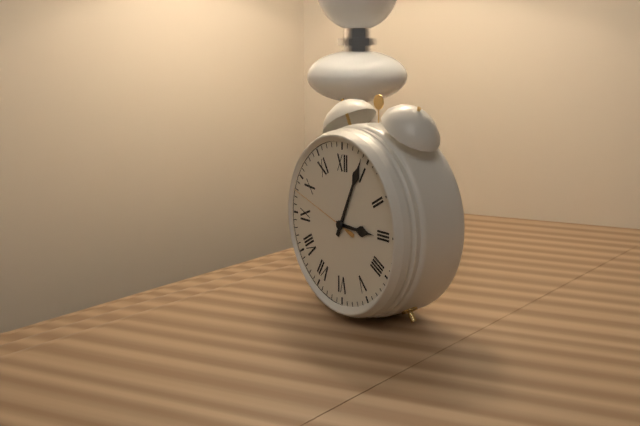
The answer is 3:04:48
